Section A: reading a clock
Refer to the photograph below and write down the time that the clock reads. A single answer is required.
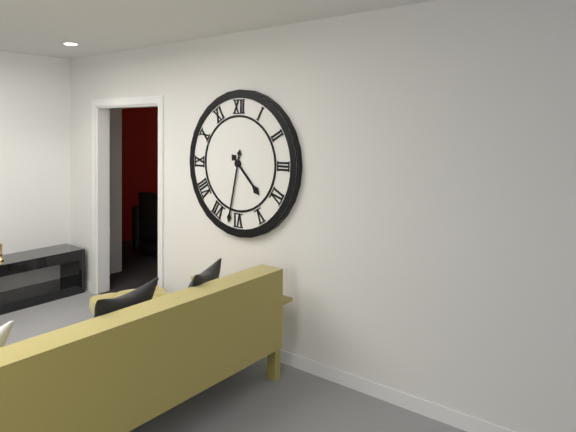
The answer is 4:32
